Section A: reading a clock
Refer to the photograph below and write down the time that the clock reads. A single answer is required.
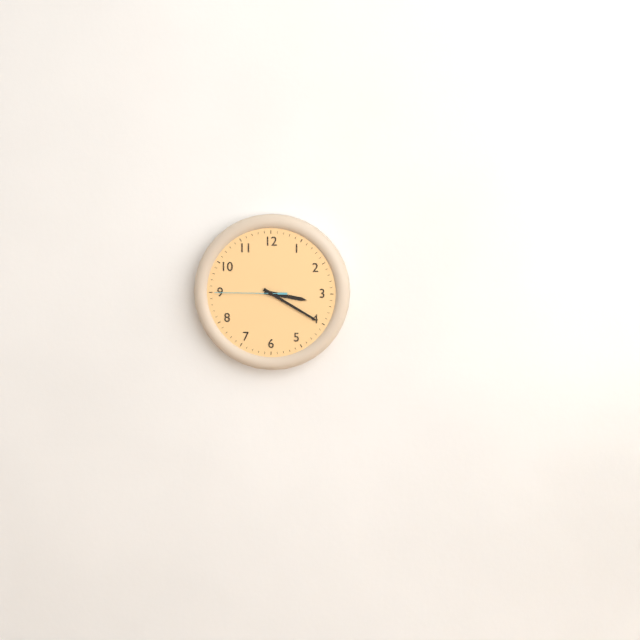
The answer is 3:20:45
